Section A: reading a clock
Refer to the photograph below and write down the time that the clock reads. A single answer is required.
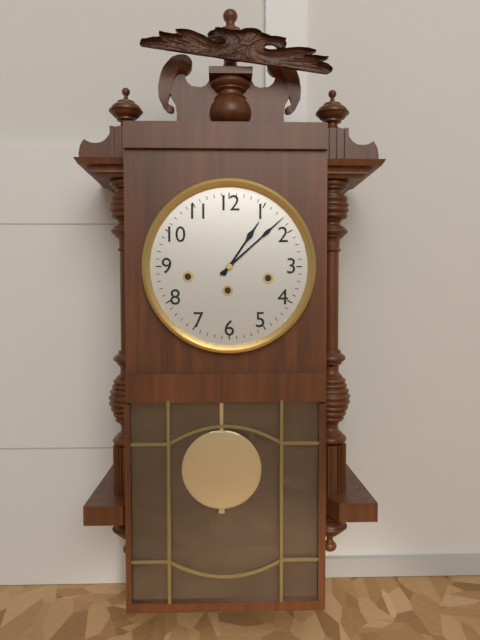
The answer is 1:08
